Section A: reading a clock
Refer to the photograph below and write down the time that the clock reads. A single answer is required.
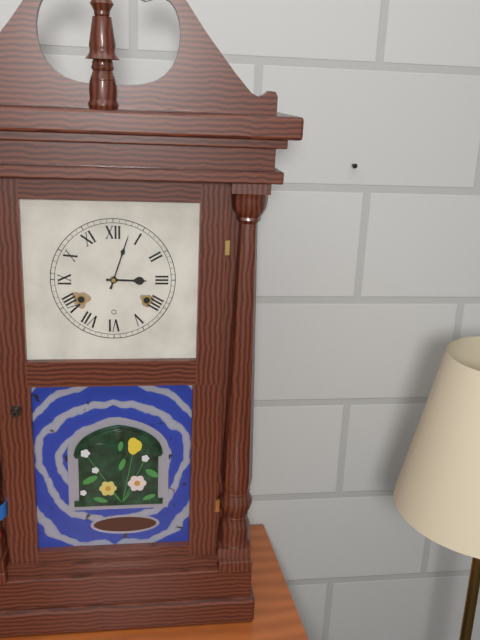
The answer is 3:03
